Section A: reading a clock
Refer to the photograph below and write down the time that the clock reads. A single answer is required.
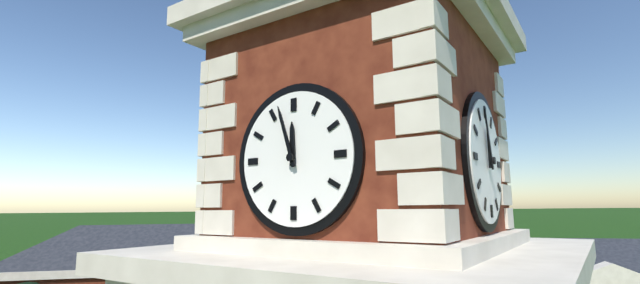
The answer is 11:57
